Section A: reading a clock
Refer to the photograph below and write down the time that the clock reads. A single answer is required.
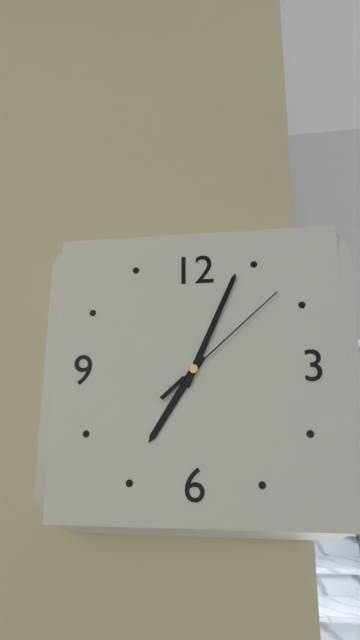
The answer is 7:04:08
